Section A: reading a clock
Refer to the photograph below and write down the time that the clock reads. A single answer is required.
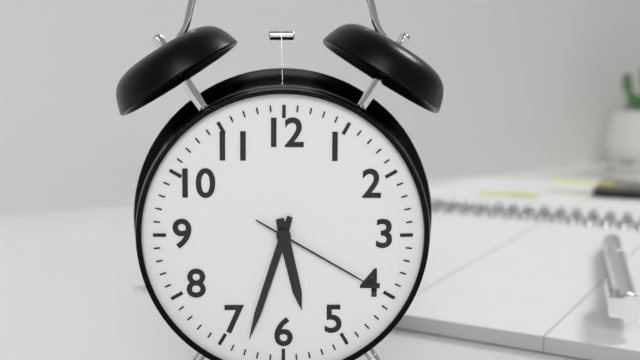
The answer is 5:33:20
